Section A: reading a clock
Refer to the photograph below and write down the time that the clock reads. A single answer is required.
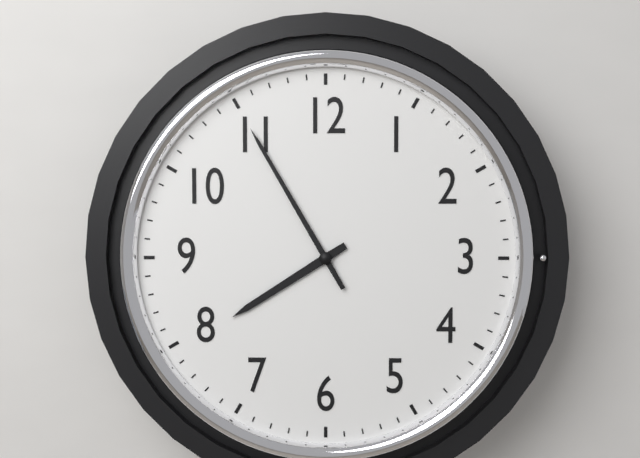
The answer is 7:55
